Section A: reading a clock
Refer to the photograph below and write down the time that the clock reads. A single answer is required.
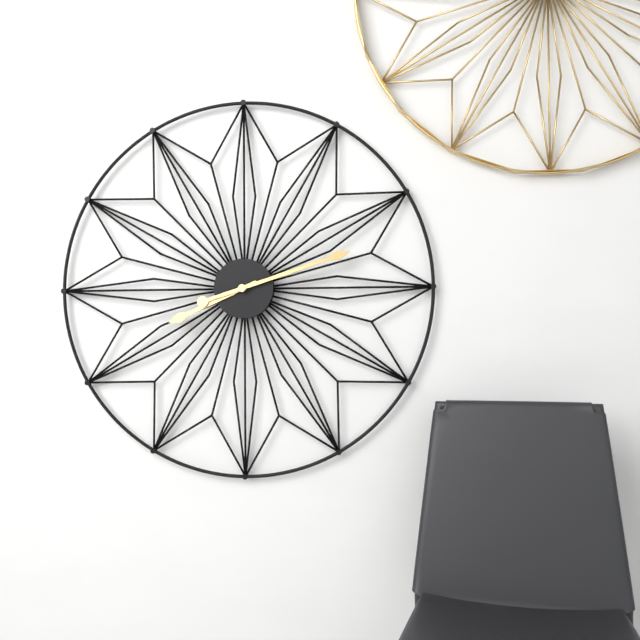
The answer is 8:12
